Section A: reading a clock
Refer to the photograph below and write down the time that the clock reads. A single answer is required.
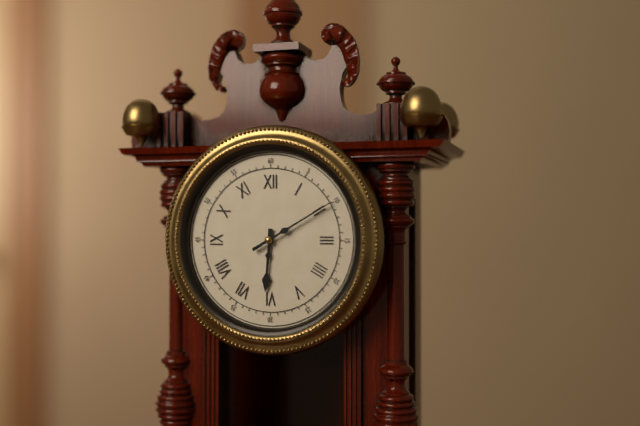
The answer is 6:10
